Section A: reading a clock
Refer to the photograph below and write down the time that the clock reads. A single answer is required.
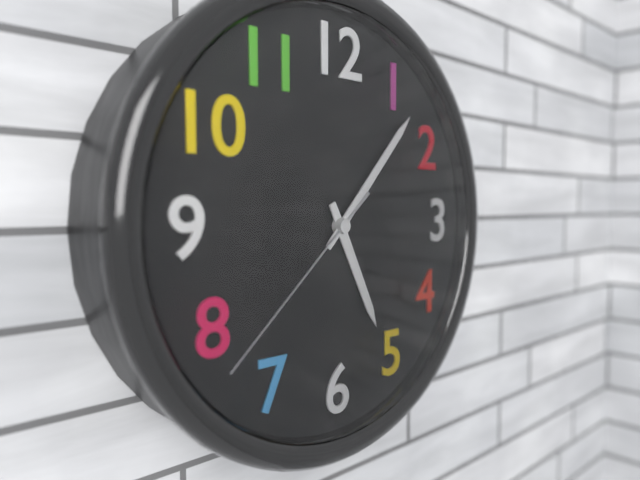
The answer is 5:07:38
